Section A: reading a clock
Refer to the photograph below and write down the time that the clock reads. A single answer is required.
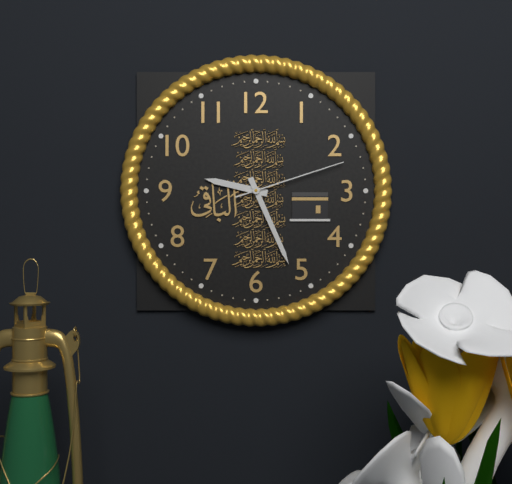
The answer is 9:26:12
